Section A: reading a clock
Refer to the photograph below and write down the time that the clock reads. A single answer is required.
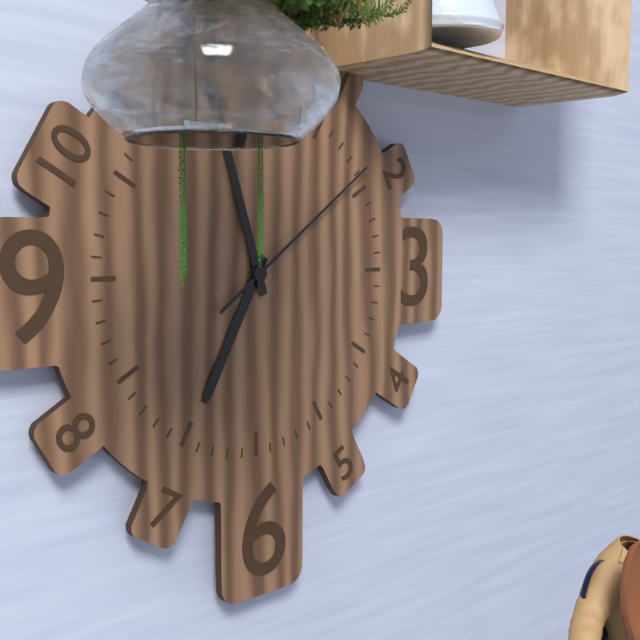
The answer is 6:57:09
